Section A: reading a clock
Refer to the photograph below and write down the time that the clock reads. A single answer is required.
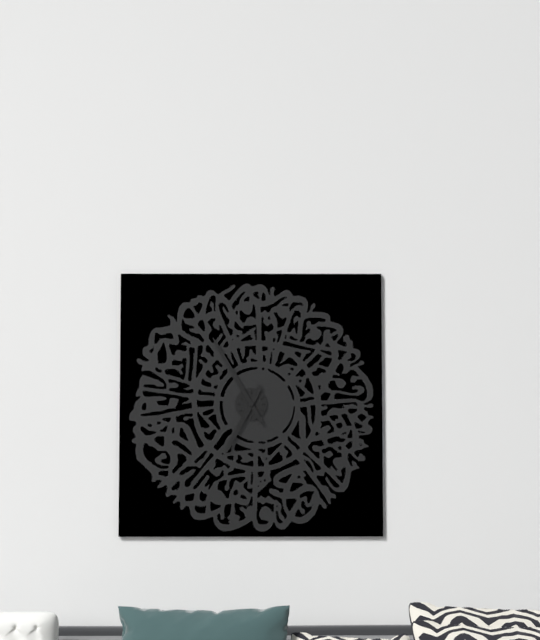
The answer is 6:55
